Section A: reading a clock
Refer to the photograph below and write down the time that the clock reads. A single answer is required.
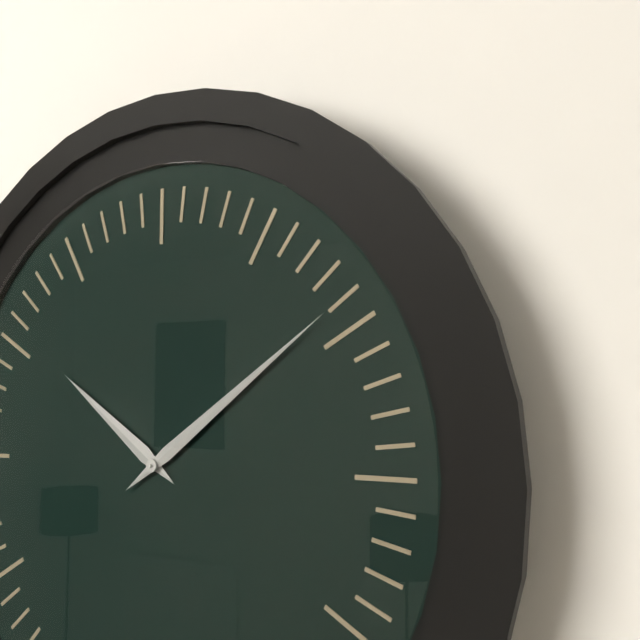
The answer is 10:09
